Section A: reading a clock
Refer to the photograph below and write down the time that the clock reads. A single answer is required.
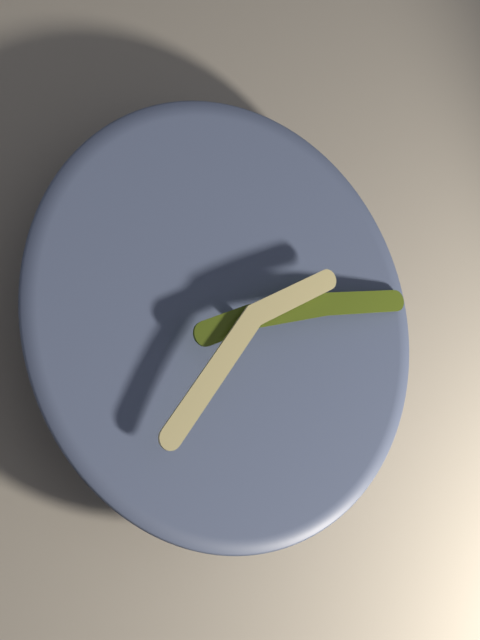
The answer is 7:13
